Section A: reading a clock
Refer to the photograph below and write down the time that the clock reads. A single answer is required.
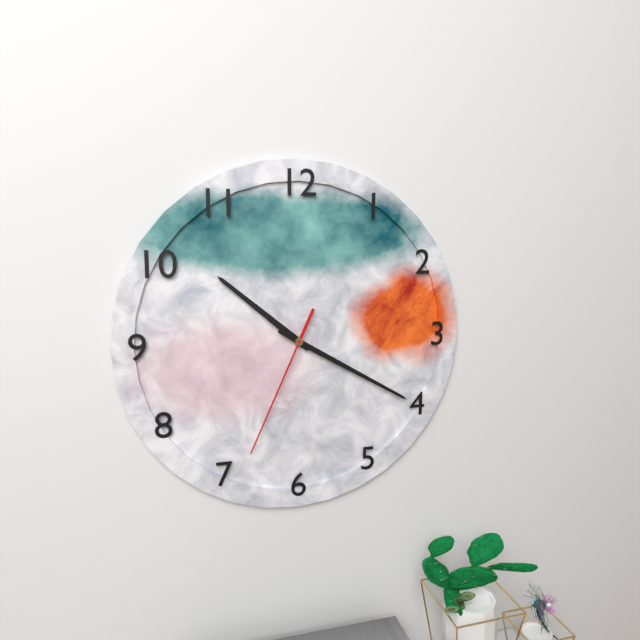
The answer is 10:20:34
